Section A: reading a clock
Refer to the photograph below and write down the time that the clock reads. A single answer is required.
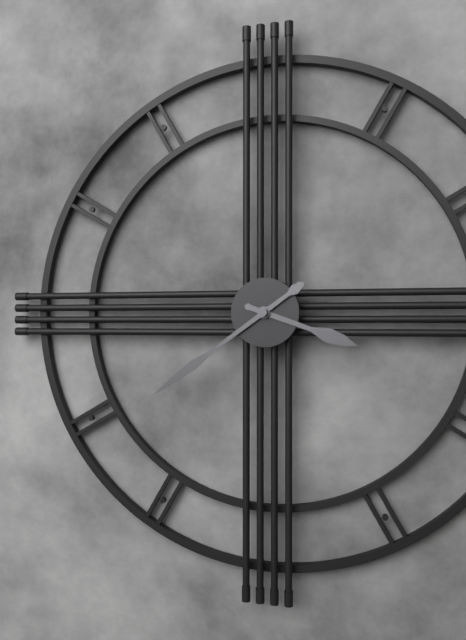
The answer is 3:39
